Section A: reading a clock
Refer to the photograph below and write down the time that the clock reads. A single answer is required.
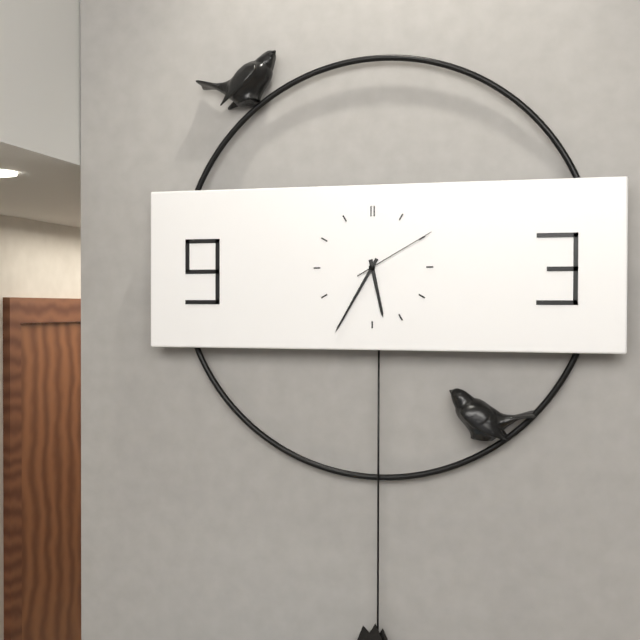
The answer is 5:35:10
